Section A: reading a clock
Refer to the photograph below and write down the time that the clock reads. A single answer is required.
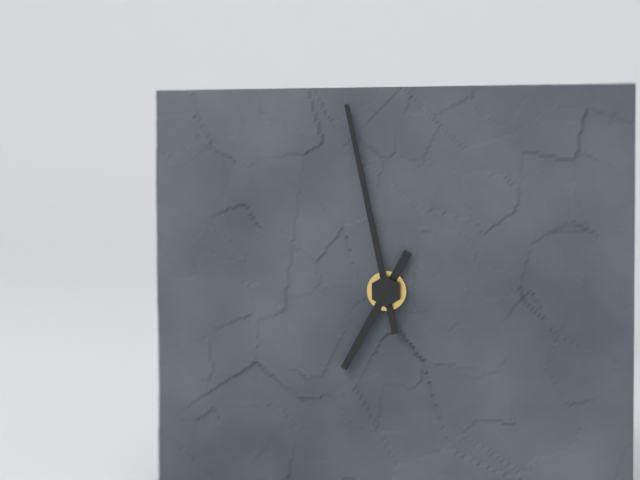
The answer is 6:58
